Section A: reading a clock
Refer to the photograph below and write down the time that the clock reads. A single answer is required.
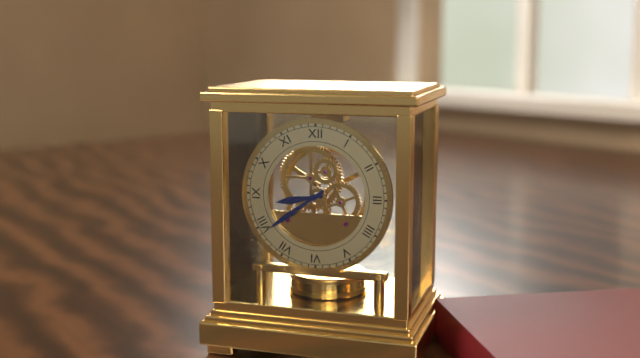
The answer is 8:39
